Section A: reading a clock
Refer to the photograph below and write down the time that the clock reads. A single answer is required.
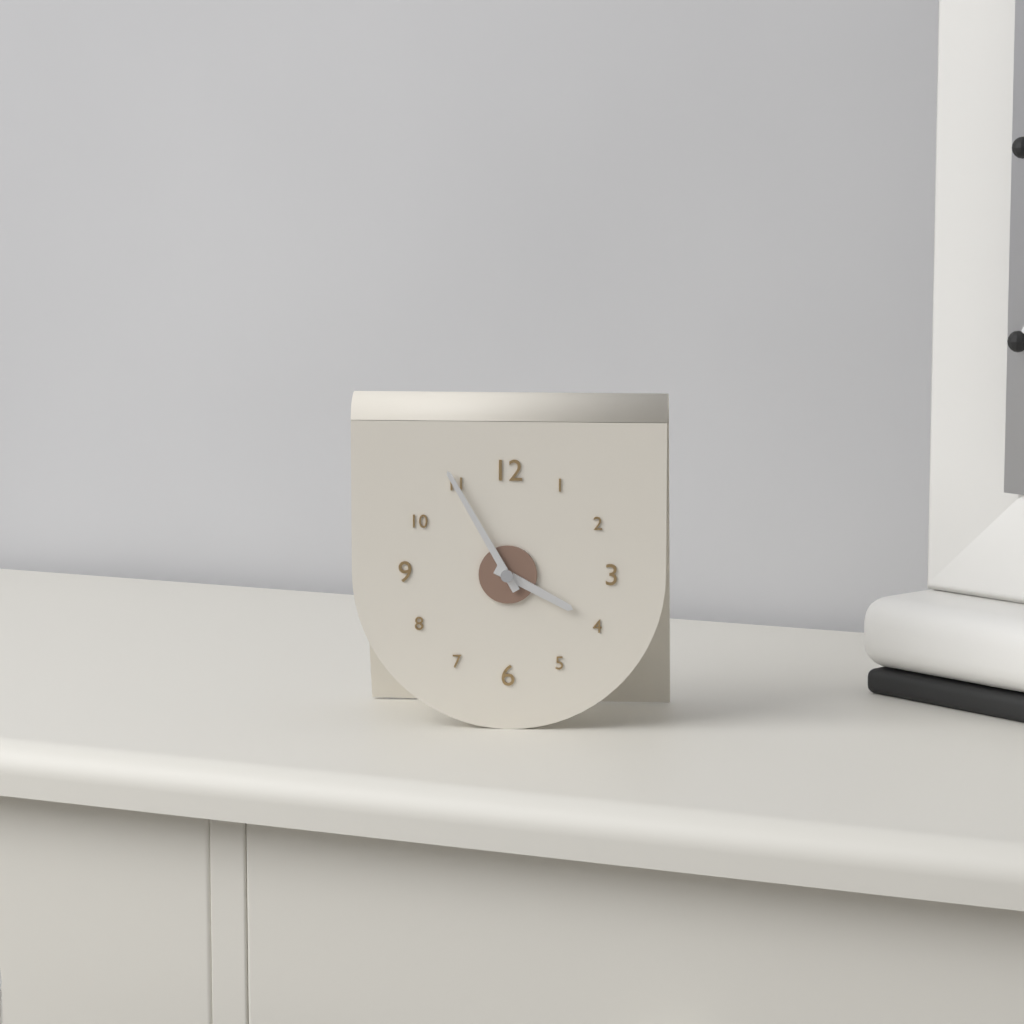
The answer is 3:55
